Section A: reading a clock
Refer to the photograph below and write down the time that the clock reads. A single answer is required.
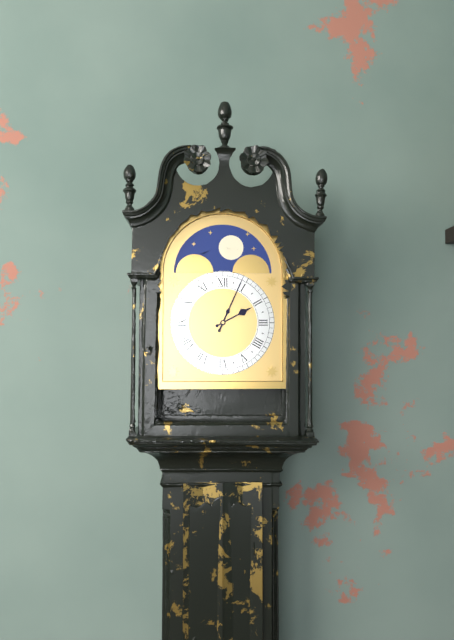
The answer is 2:04
